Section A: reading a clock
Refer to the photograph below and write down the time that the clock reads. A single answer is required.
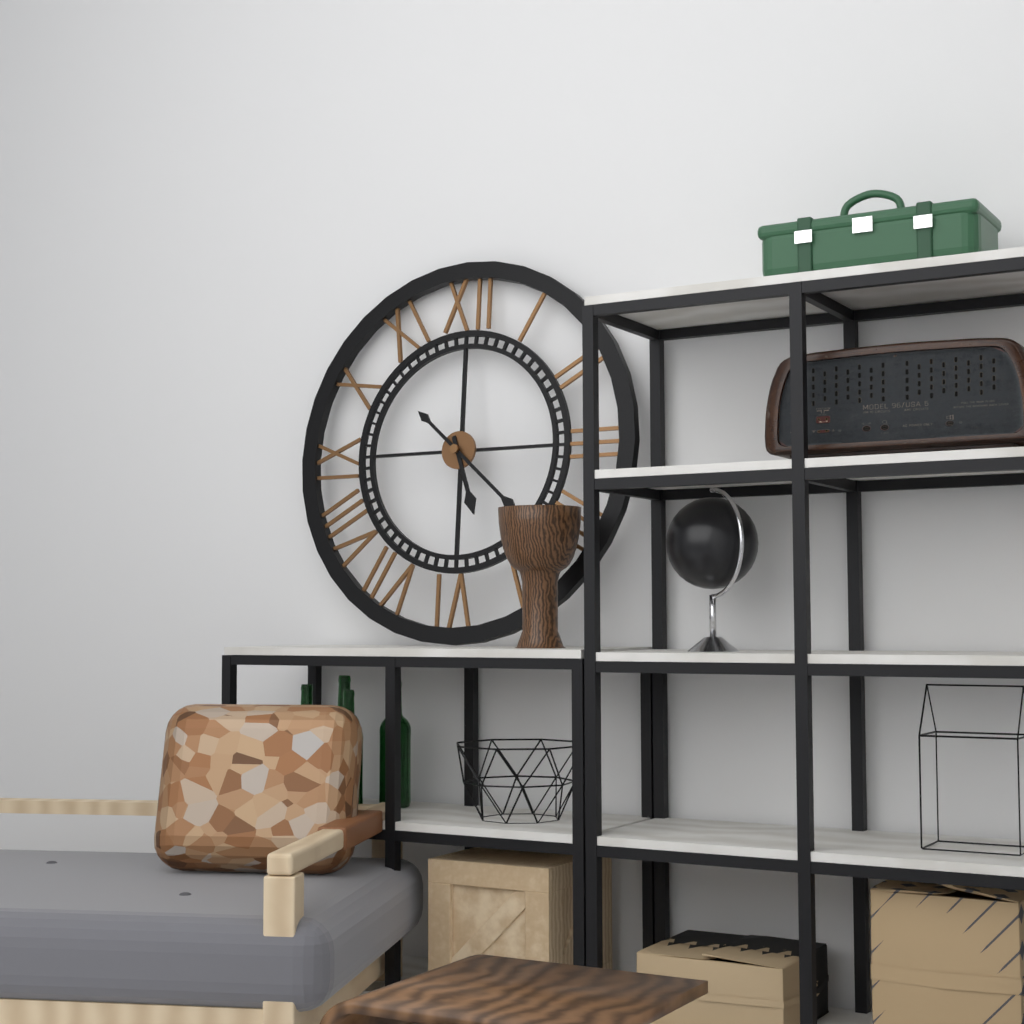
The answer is 5:22
